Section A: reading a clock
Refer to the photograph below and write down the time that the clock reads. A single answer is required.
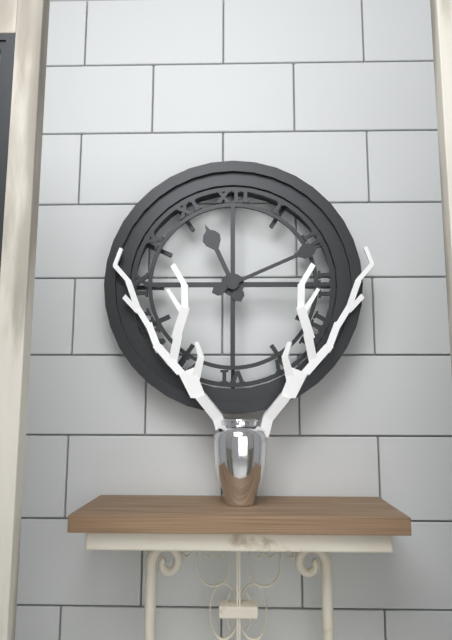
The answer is 11:11
